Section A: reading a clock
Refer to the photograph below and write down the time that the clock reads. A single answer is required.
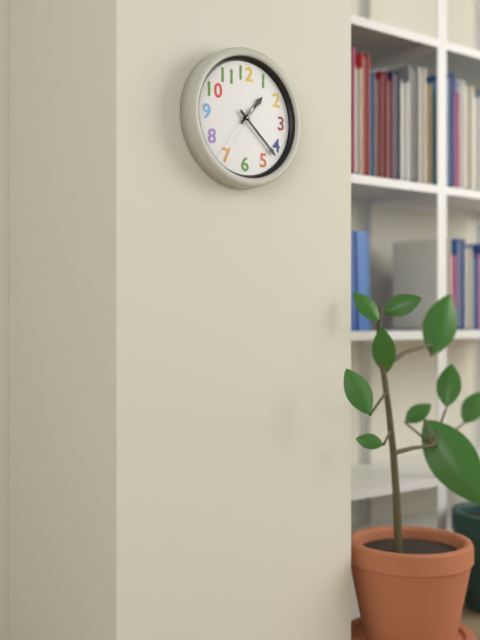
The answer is 1:22
